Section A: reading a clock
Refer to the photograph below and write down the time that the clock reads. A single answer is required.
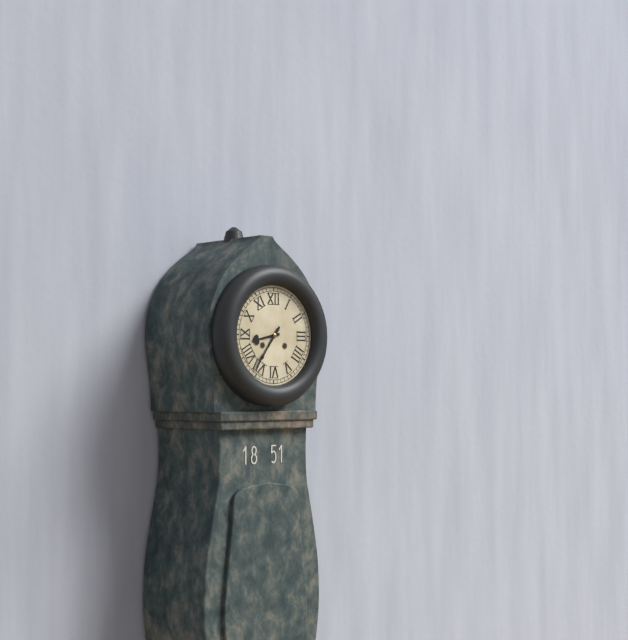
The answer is 8:36
